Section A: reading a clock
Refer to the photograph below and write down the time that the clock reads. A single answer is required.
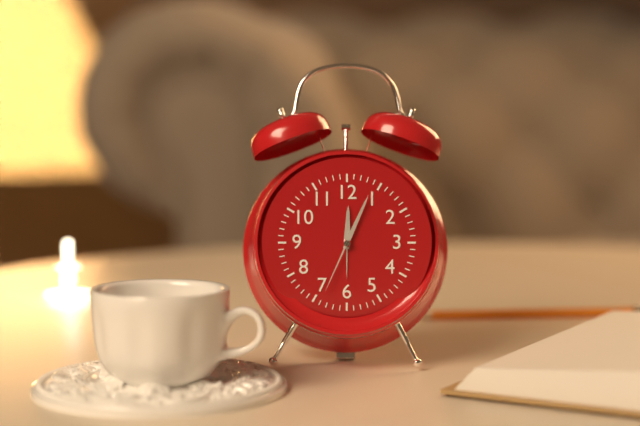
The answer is 12:04:34
